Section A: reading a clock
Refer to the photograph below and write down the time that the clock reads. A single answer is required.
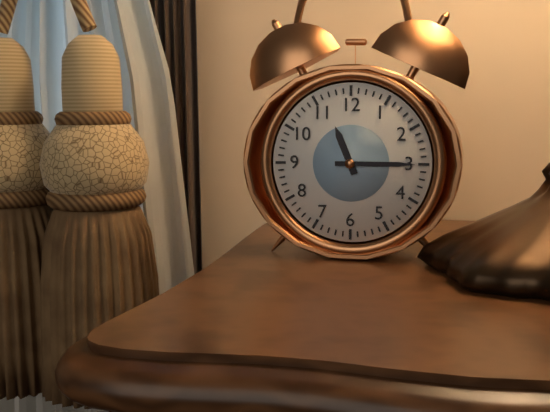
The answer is 11:15
